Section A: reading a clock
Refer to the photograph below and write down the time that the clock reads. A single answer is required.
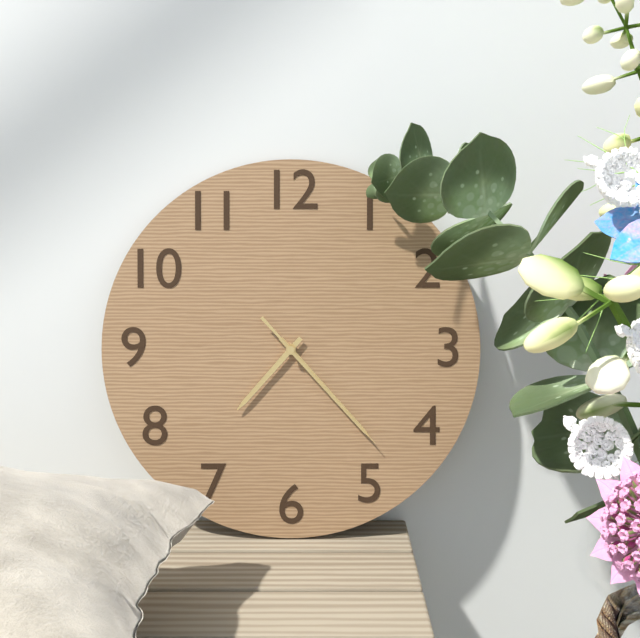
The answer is 7:23:23
